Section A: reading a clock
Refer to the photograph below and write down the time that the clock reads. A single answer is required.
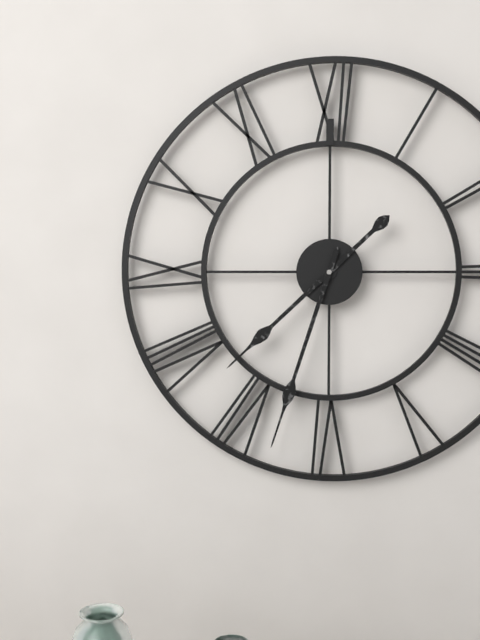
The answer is 7:33
